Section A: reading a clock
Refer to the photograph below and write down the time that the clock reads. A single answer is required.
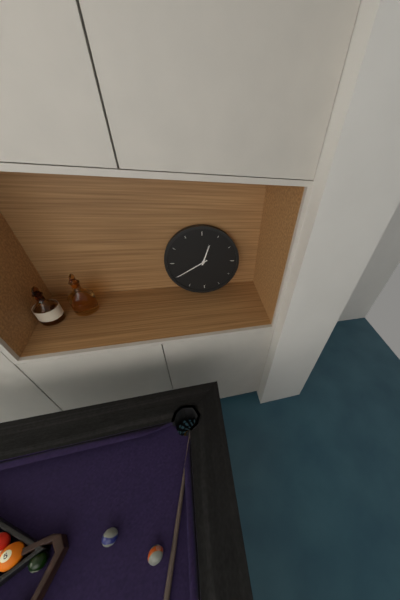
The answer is 12:40
